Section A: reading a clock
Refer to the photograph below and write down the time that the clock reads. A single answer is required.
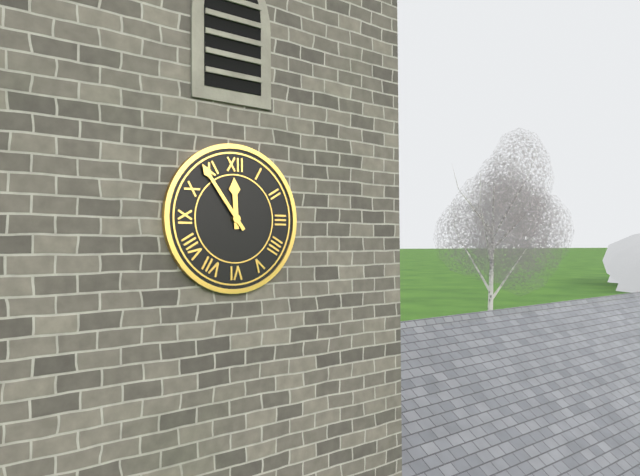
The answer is 11:54
